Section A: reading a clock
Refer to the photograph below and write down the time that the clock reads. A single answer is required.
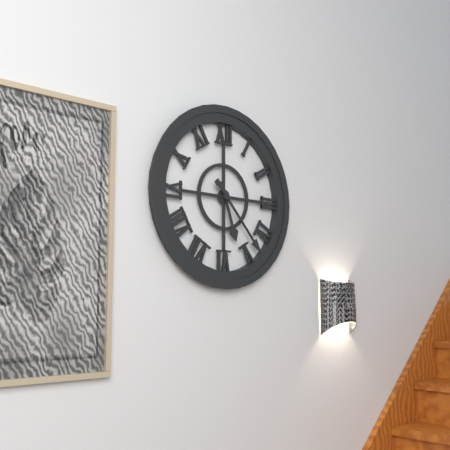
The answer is 5:23
